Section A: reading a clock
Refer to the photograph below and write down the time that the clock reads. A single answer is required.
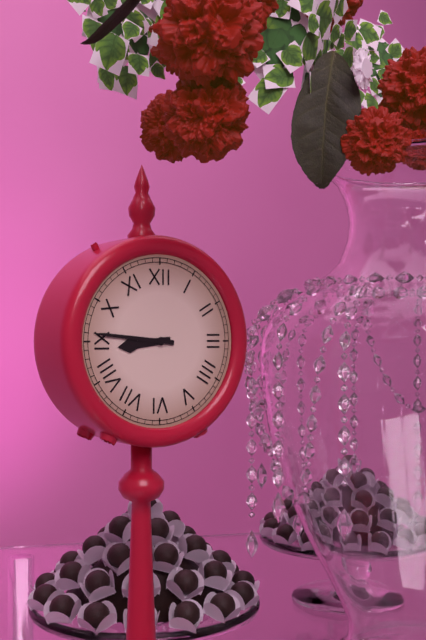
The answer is 8:46
